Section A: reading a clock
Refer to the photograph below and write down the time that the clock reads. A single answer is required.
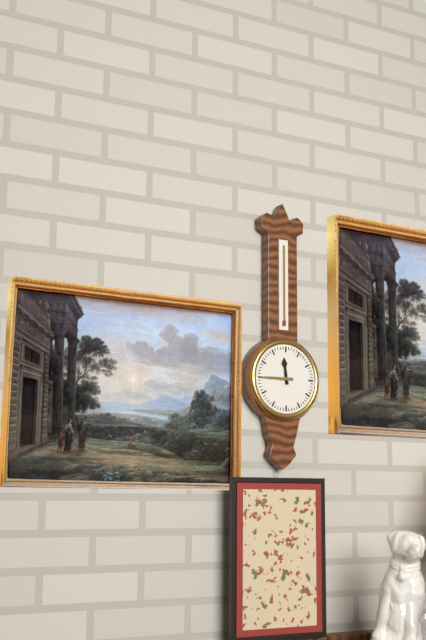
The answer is 11:45
